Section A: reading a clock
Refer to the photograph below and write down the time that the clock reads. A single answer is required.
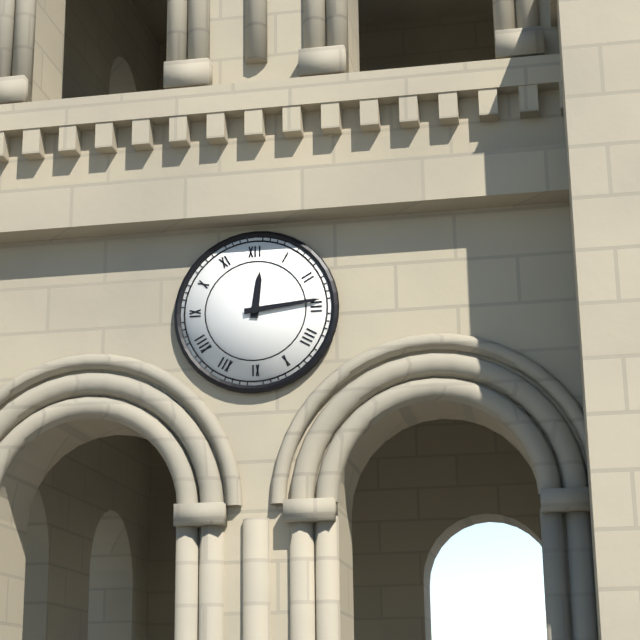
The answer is 12:14
